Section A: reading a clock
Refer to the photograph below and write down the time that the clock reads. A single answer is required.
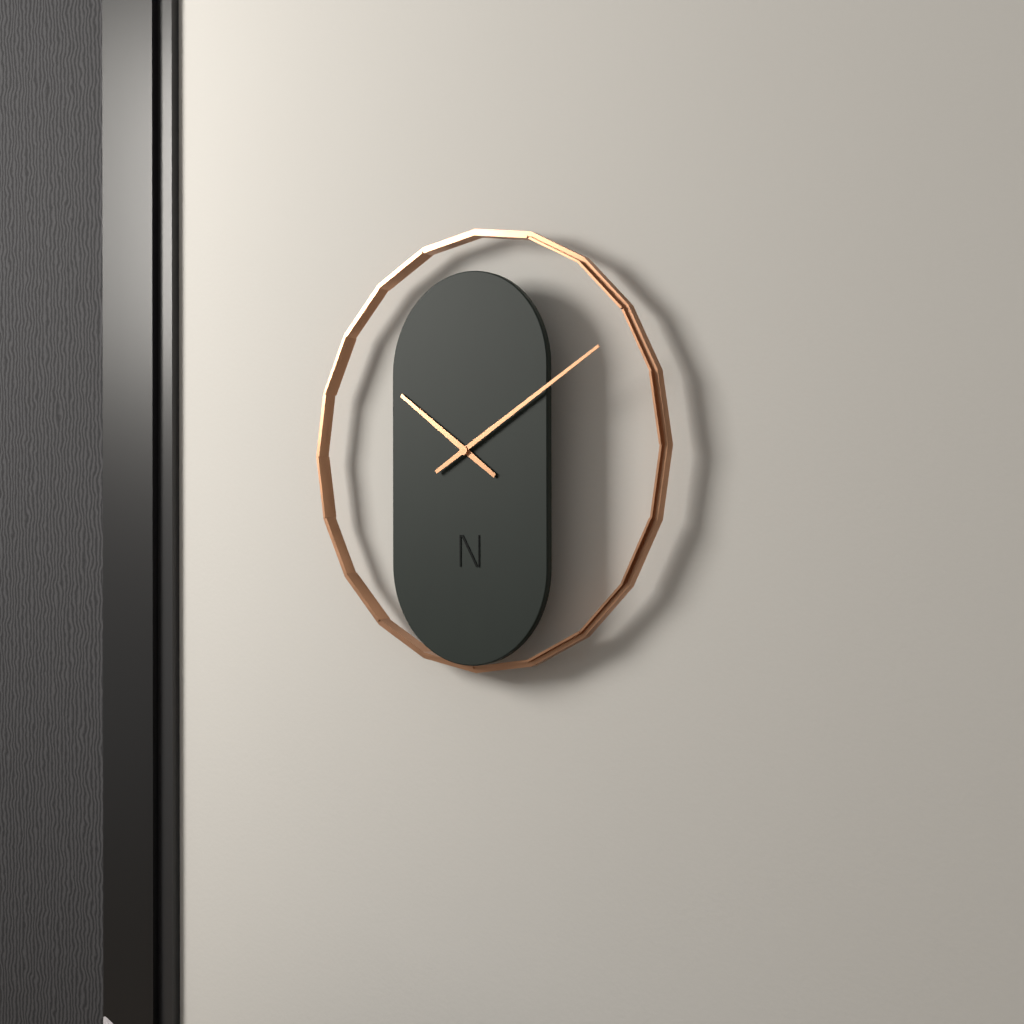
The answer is 10:10
